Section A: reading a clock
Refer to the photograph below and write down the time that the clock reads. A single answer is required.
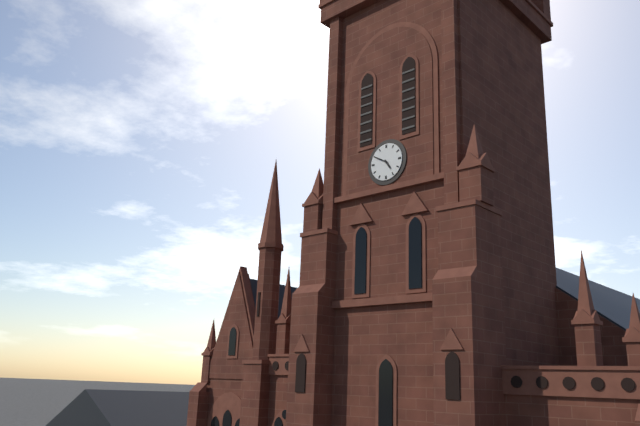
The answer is 4:50
